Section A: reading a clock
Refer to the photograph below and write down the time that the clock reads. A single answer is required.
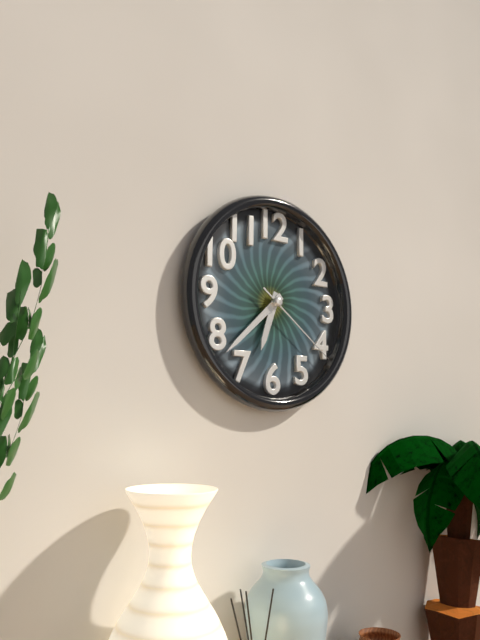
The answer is 6:38:21
